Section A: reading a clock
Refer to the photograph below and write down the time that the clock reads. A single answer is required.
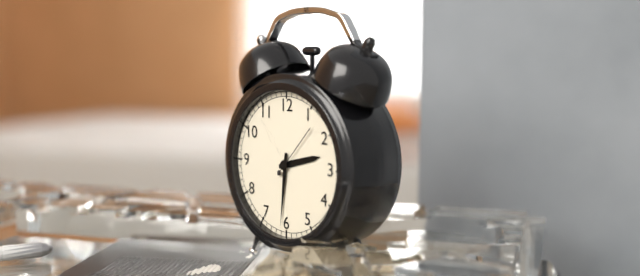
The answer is 2:31:07
